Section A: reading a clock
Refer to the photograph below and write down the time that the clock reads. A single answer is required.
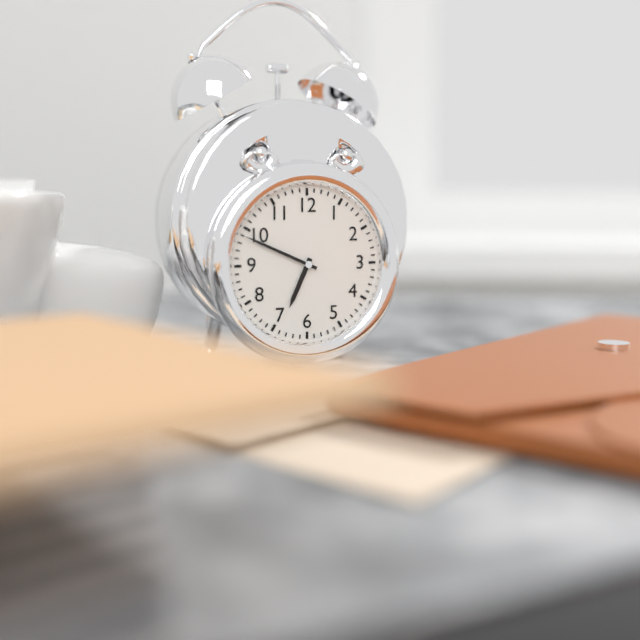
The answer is 6:49
